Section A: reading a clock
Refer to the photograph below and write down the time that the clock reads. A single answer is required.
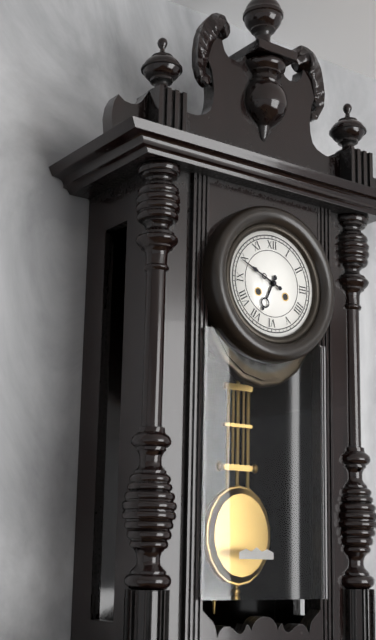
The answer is 6:49
